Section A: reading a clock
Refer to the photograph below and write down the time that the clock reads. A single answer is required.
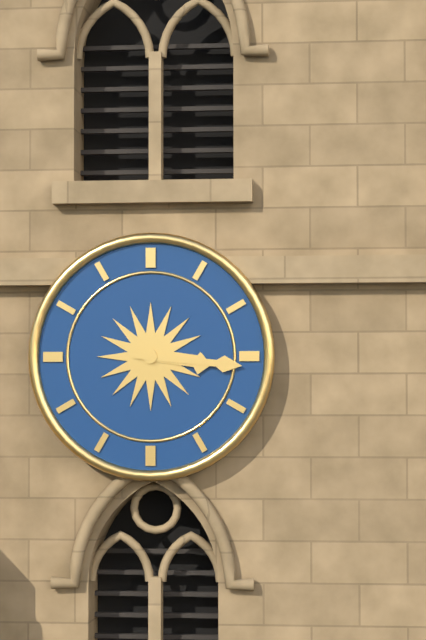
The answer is 3:16
